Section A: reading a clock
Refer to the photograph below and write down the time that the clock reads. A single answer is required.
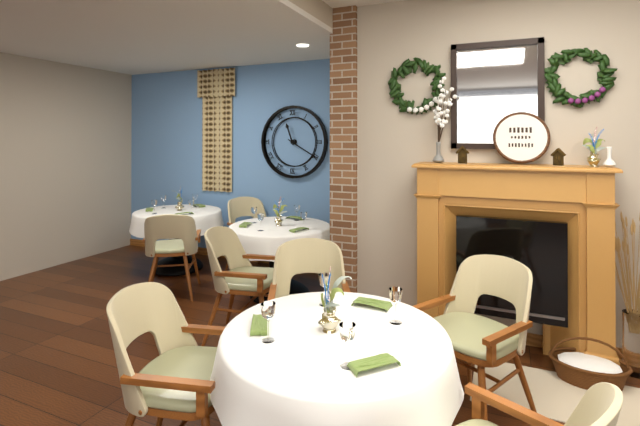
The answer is 11:20
